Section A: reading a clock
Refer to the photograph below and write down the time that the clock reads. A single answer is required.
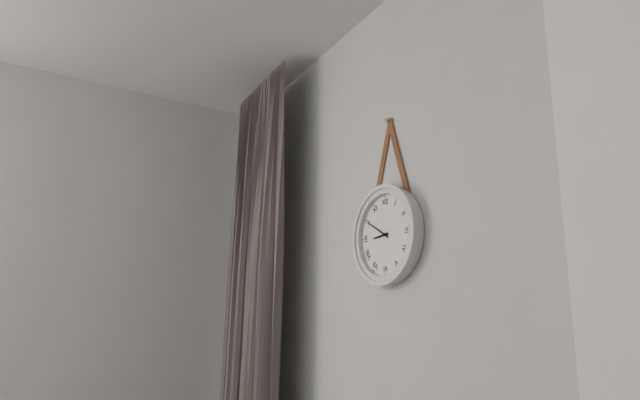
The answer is 8:50
